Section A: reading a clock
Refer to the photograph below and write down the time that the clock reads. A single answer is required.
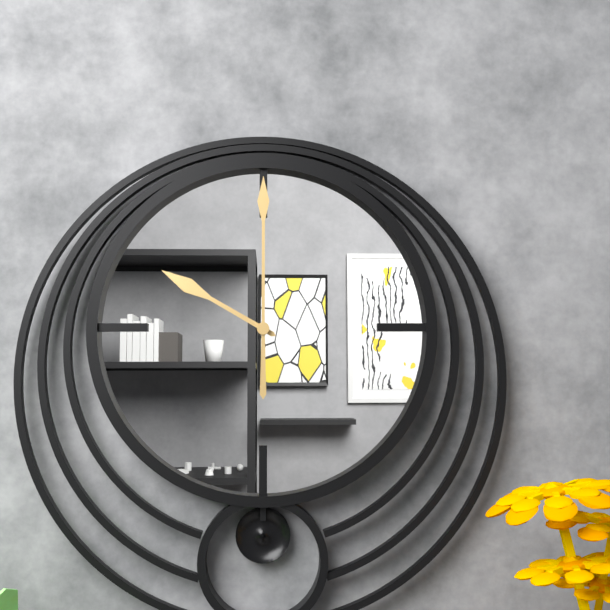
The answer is 10:00
